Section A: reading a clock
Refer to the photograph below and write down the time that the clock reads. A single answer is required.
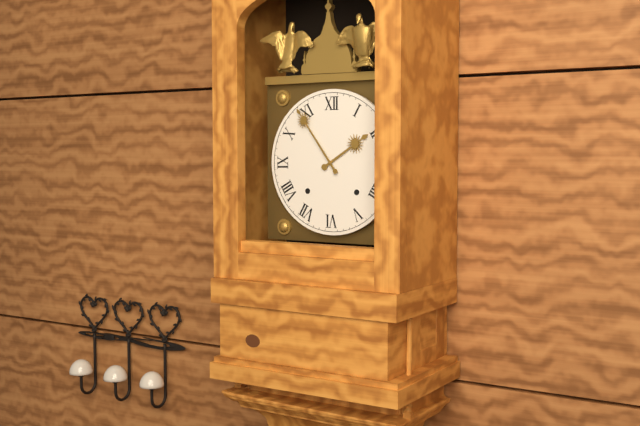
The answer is 1:54
